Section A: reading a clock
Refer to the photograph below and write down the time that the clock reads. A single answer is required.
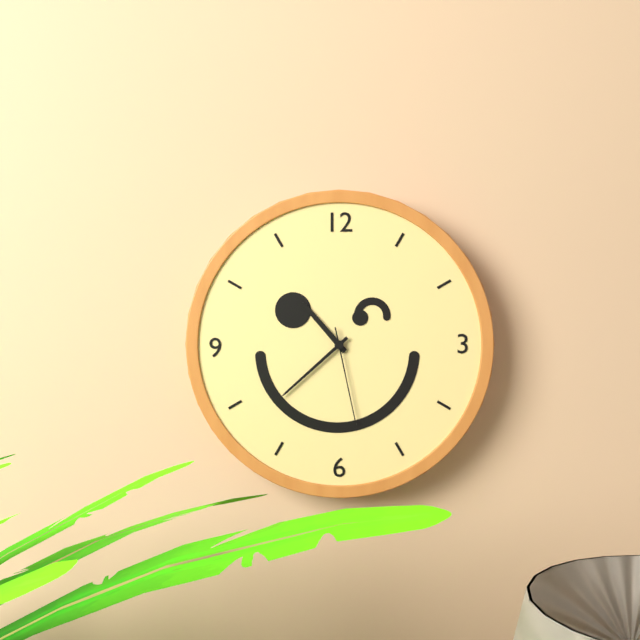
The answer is 10:38:28
